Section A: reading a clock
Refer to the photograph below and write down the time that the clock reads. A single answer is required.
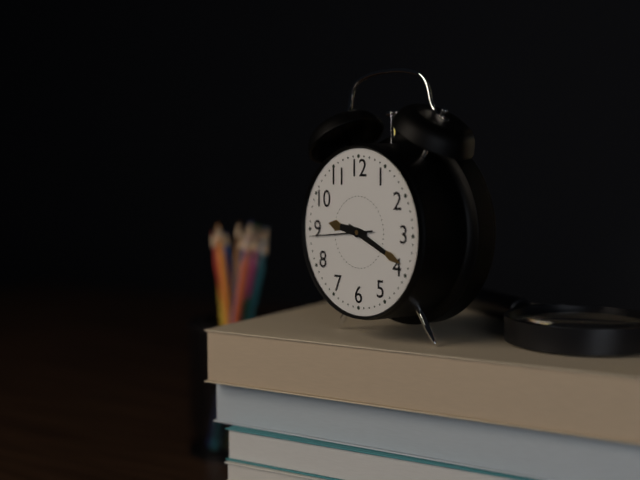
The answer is 9:19:44
